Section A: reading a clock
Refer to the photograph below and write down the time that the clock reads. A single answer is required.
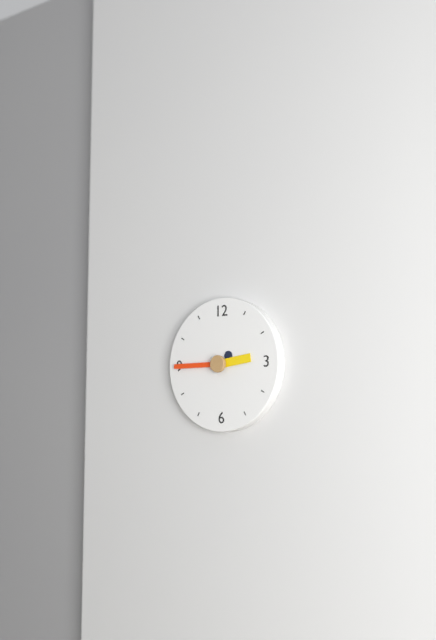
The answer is 2:45
